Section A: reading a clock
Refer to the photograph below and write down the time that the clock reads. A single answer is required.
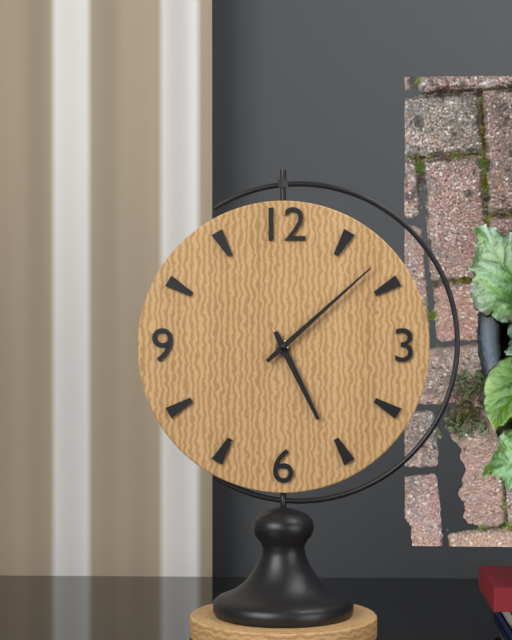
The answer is 5:08
